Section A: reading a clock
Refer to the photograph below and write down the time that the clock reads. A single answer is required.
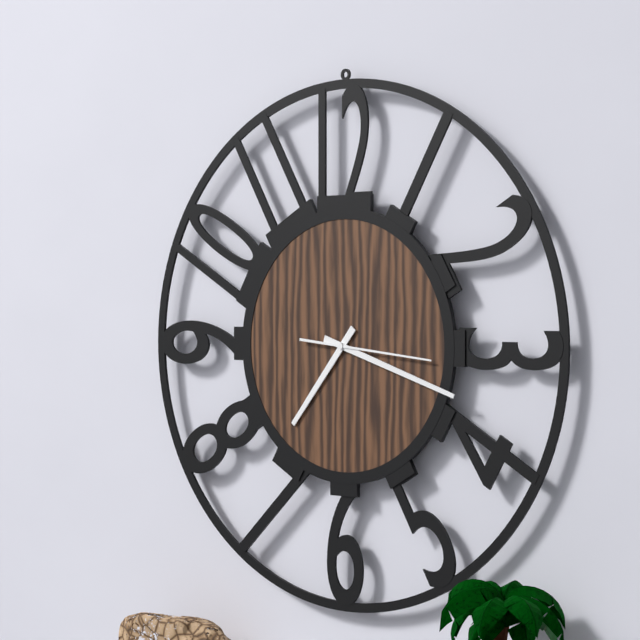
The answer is 7:18:16
